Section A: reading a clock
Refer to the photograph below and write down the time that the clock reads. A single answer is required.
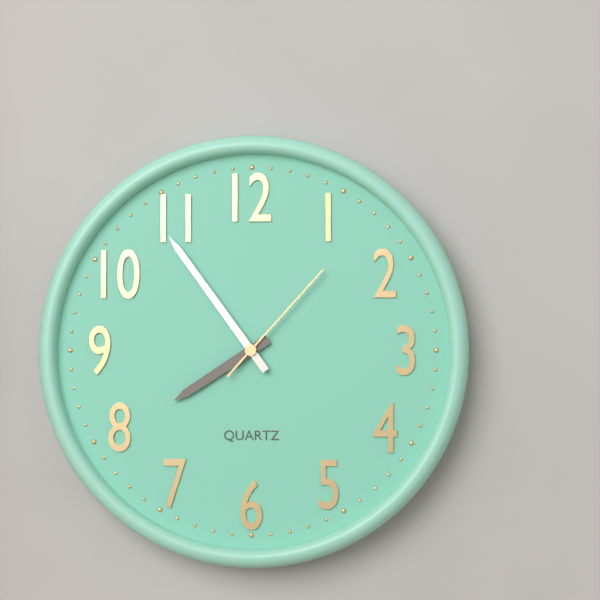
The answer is 7:54:07
